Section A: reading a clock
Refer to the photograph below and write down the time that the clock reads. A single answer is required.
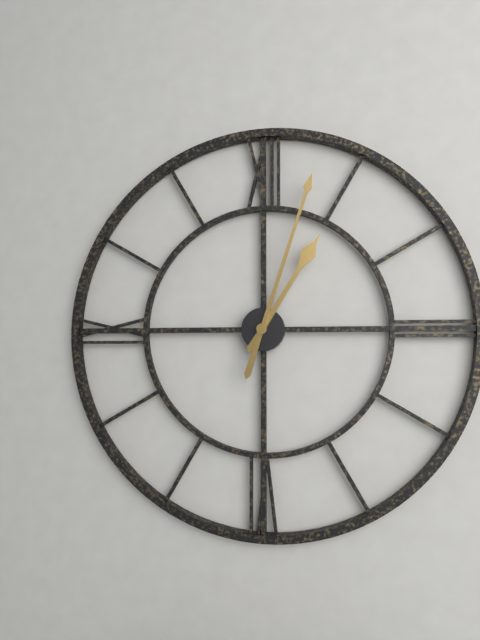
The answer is 1:03
